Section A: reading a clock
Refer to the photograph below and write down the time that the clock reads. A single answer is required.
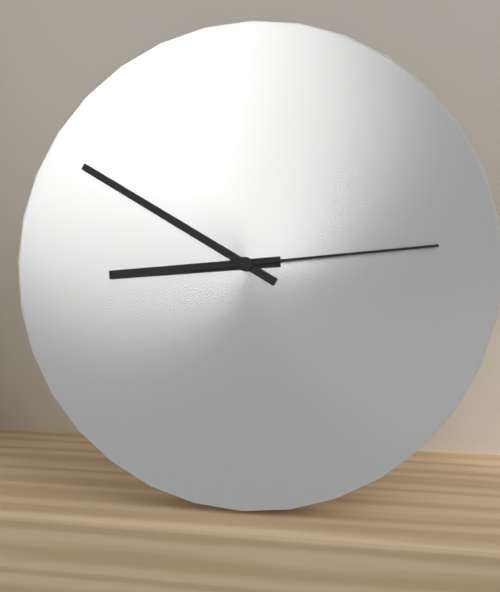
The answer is 8:50:14
